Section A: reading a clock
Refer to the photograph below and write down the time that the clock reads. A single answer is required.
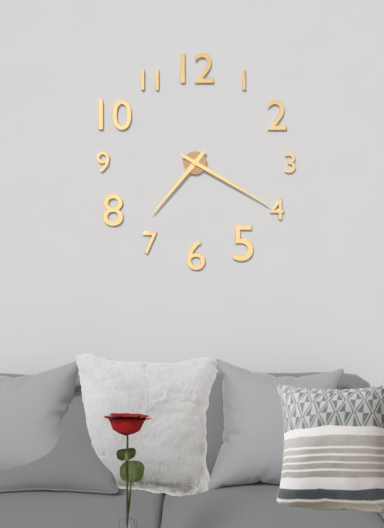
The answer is 7:20
